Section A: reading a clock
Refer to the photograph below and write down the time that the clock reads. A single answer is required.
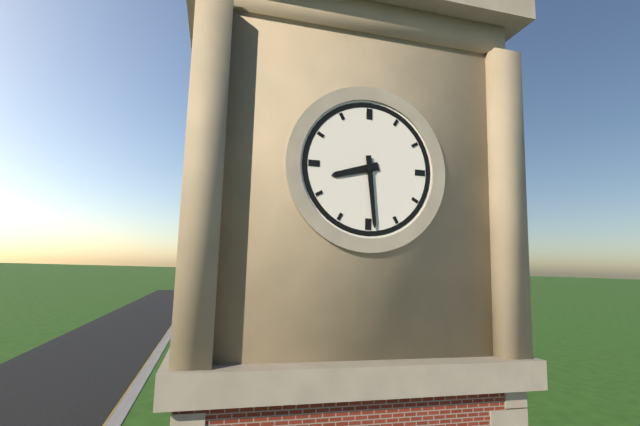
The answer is 8:29
